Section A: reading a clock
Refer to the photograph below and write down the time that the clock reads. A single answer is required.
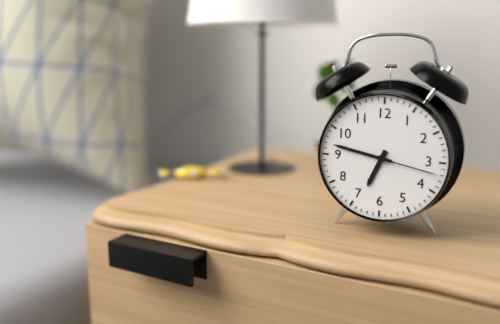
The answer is 6:47:17
